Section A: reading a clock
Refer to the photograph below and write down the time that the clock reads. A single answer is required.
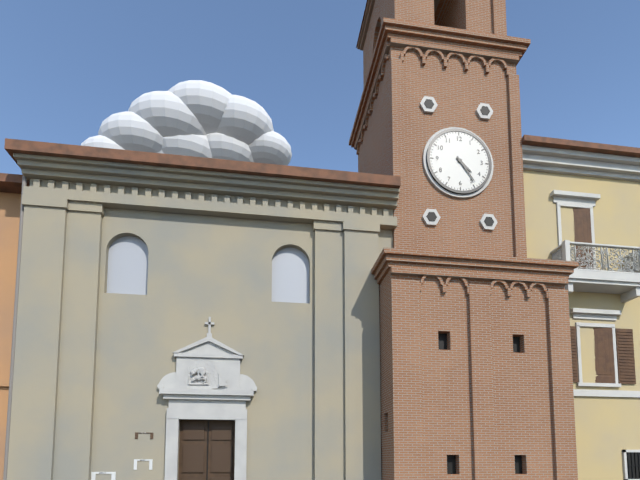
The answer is 4:24
